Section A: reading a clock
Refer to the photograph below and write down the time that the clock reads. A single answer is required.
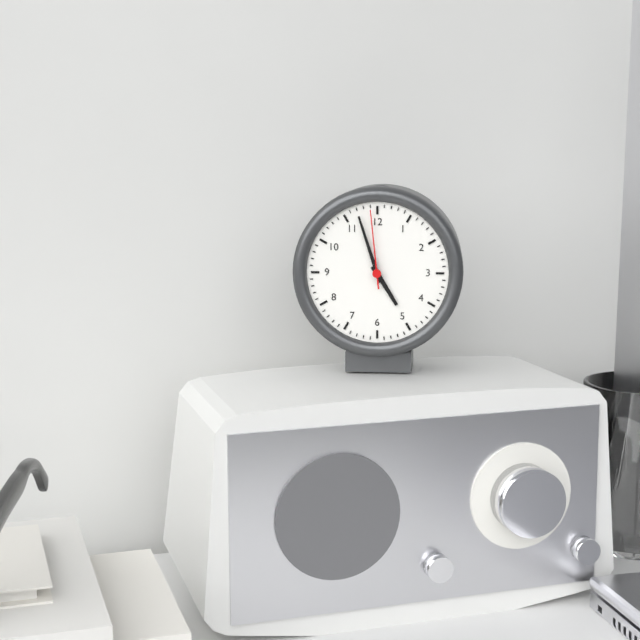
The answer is 4:57:59
